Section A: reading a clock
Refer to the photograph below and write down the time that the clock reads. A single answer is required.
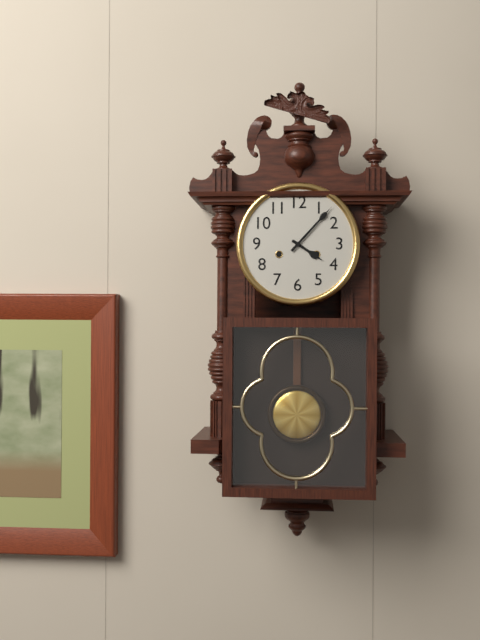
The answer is 4:07
